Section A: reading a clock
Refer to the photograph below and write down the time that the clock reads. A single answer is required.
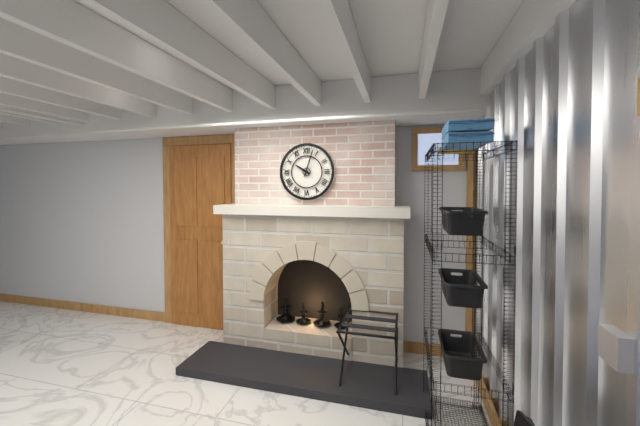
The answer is 10:03
